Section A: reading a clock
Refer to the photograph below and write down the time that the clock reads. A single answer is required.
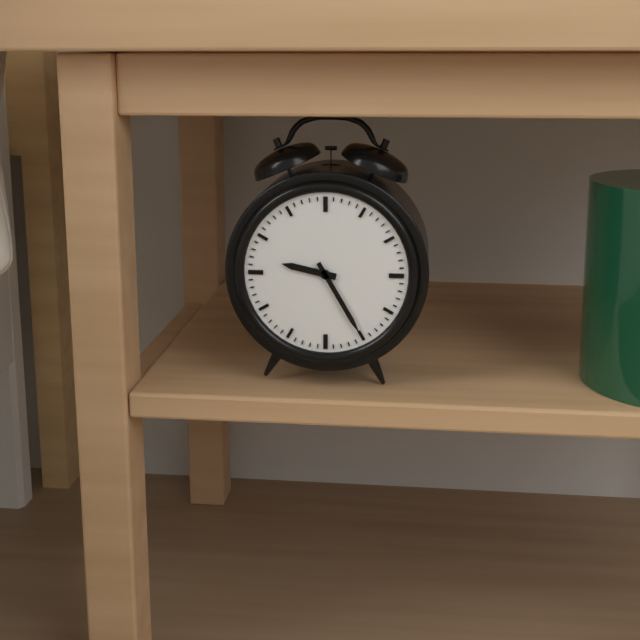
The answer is 9:25
